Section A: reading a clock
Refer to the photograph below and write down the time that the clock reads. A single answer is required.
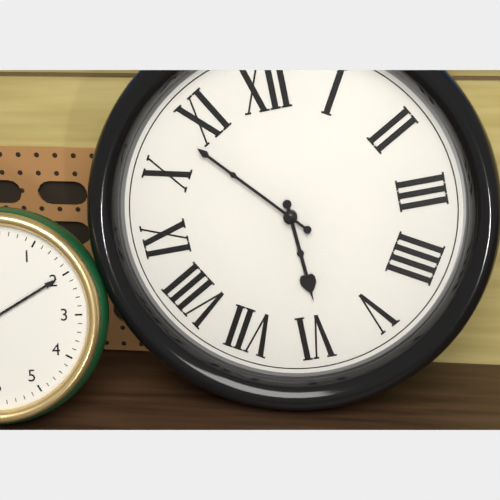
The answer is 5:53
